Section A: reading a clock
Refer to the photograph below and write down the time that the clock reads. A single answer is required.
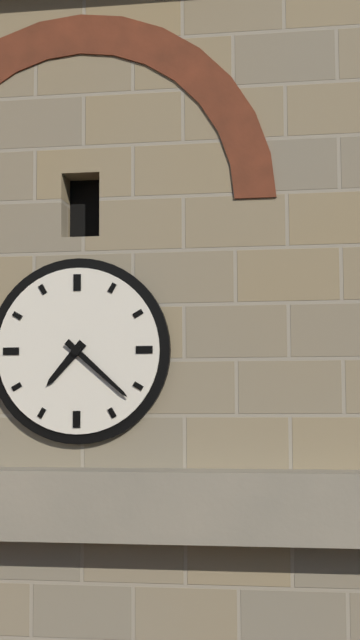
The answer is 7:22
